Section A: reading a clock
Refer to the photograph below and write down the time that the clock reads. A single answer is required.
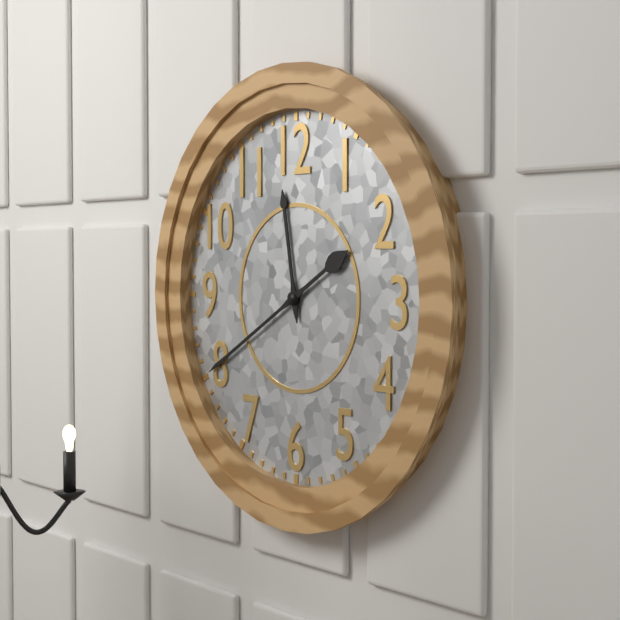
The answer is 11:40
